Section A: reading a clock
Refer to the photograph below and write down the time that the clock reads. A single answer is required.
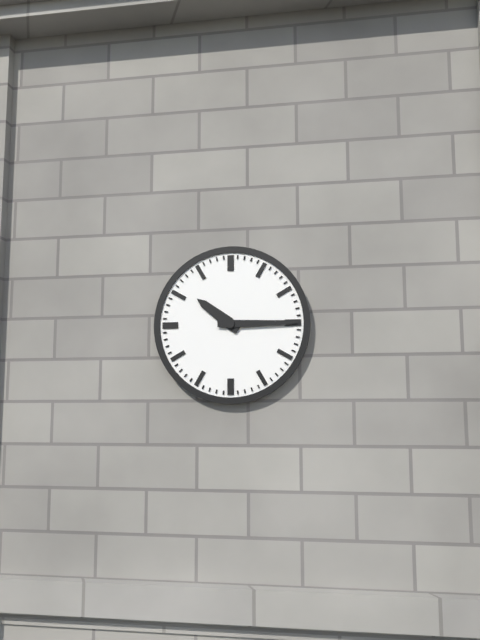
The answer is 10:15
